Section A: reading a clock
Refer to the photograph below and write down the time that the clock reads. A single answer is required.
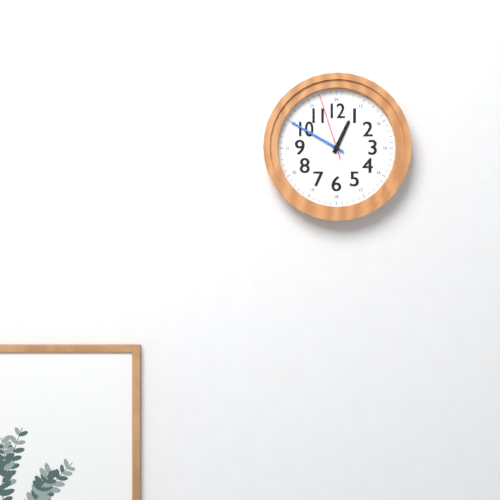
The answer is 12:50:57
